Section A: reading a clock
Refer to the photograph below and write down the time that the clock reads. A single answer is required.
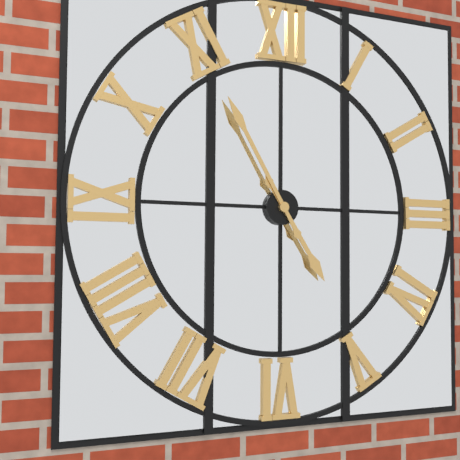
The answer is 4:55
